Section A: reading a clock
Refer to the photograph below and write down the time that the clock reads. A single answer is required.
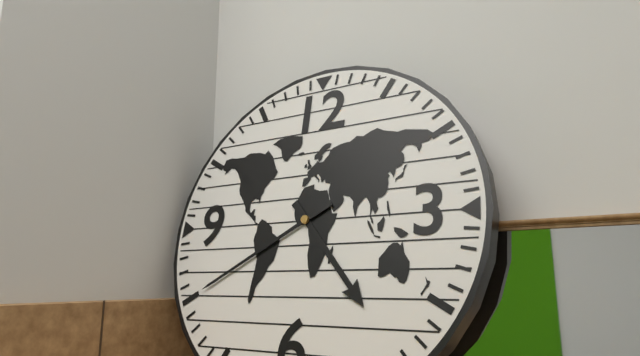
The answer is 4:40
